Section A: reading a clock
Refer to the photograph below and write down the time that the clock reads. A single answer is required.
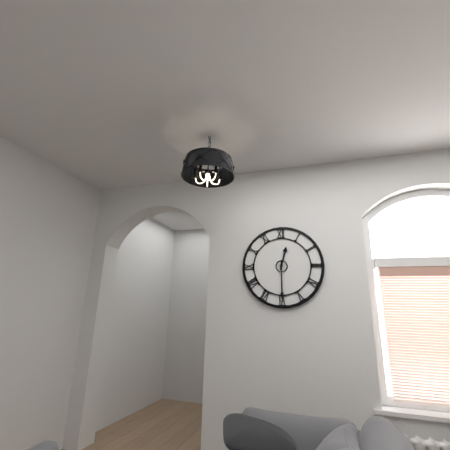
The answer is 12:30
